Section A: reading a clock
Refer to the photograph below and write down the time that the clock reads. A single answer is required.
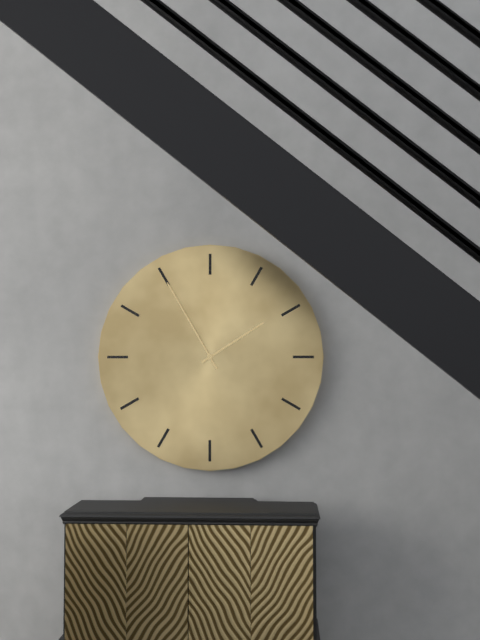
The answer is 1:55
